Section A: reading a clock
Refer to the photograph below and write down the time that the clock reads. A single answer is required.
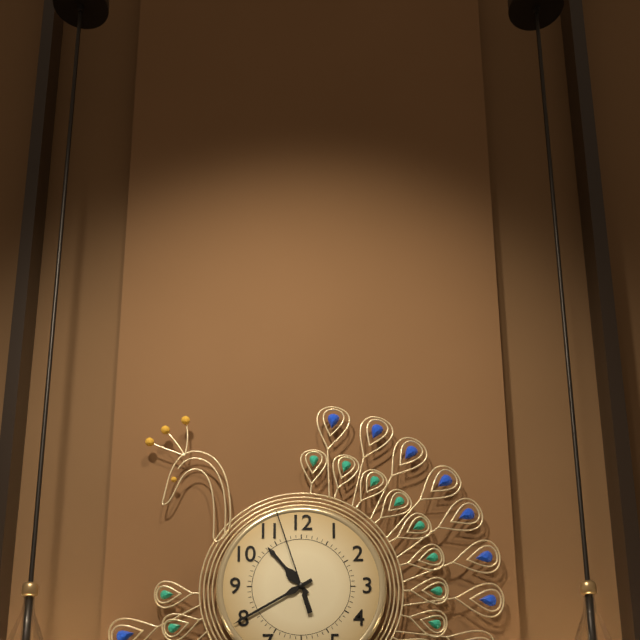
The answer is 10:40:57
